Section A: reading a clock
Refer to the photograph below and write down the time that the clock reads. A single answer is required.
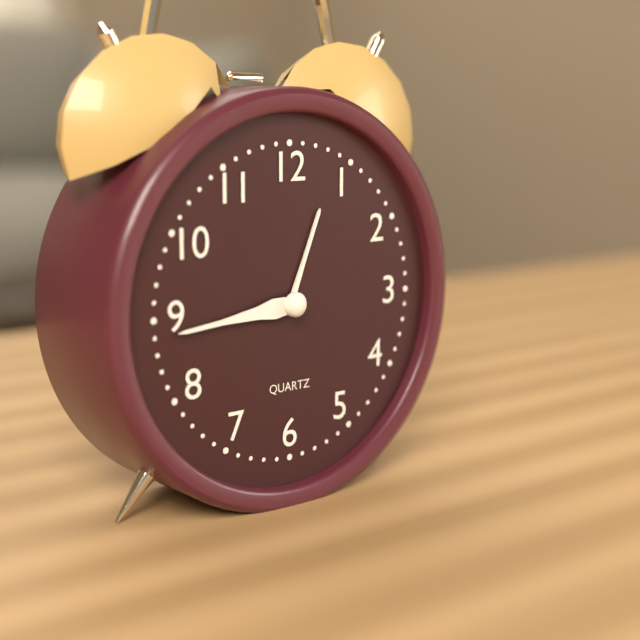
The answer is 12:44
